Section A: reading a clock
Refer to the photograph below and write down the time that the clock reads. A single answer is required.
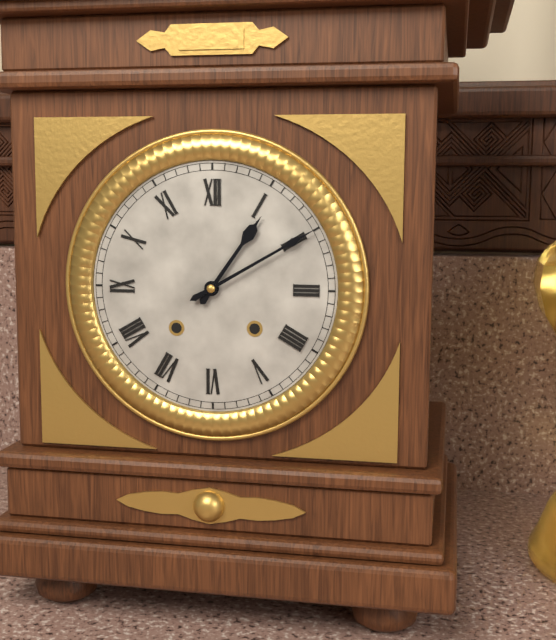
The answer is 1:10
